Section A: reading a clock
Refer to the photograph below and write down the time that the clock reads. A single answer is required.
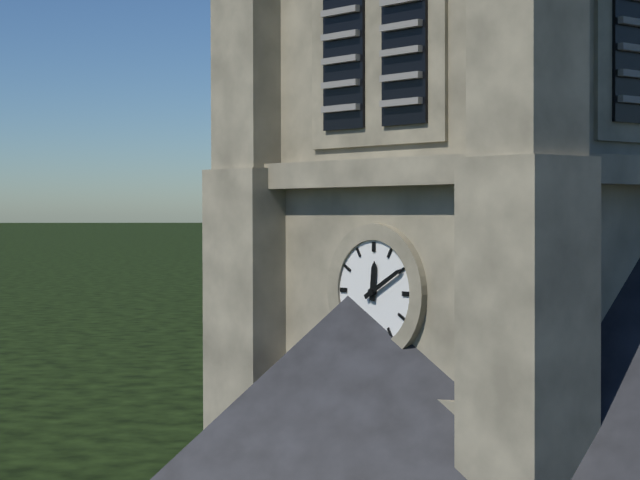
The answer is 12:10
